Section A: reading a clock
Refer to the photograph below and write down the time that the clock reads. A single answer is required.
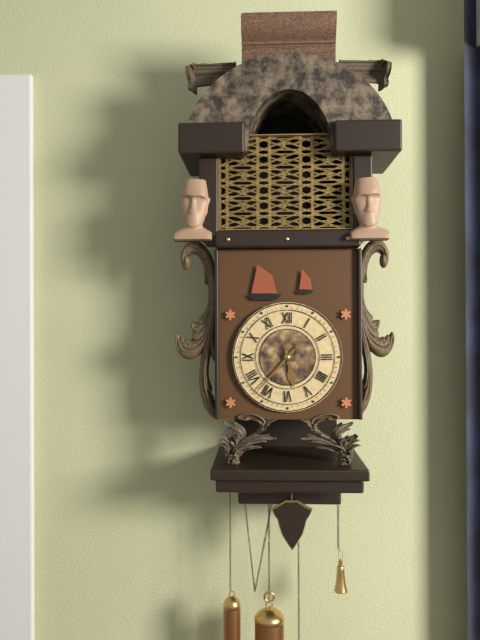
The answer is 5:37
